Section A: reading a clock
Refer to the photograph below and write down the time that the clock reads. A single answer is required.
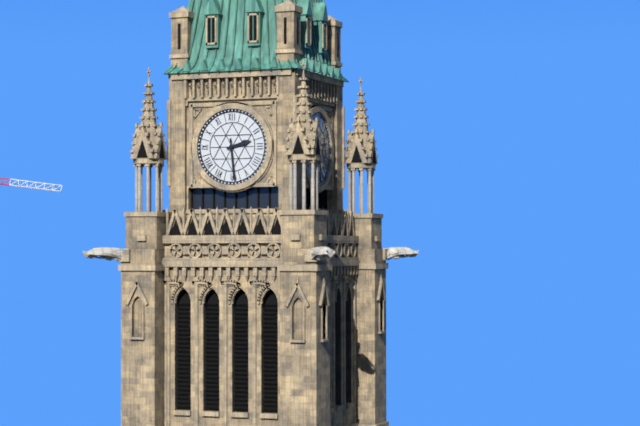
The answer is 2:29
